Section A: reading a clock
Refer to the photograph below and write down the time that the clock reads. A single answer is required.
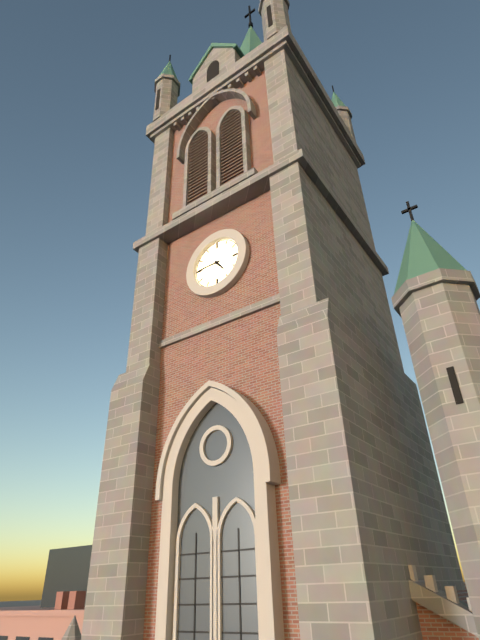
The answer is 4:45
